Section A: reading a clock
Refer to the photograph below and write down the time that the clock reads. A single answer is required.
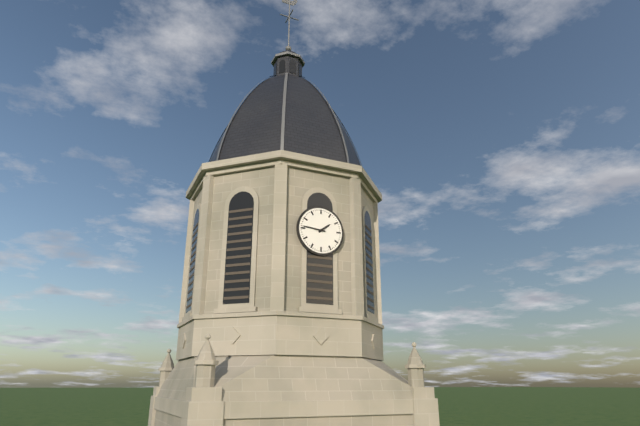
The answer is 1:46
